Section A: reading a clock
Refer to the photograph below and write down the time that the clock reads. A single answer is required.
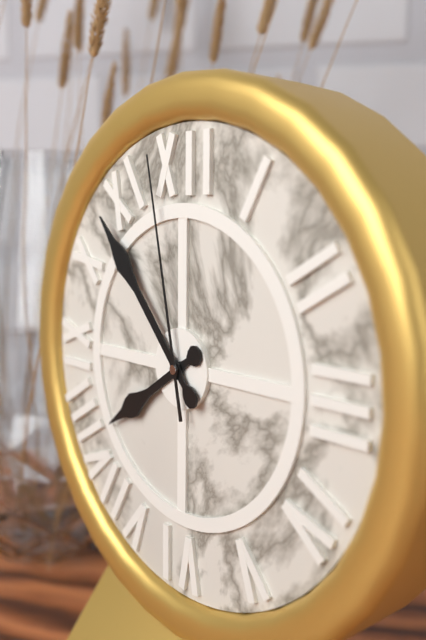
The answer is 7:53:58
